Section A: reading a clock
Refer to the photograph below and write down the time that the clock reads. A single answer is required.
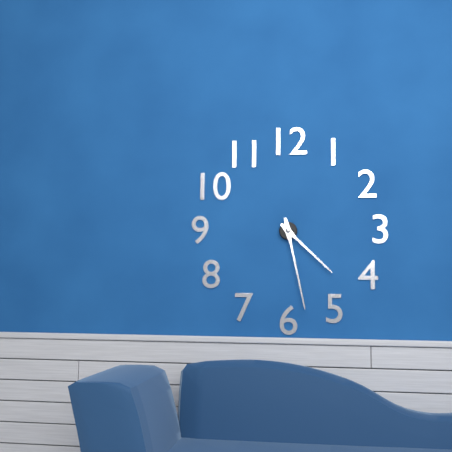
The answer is 4:28
